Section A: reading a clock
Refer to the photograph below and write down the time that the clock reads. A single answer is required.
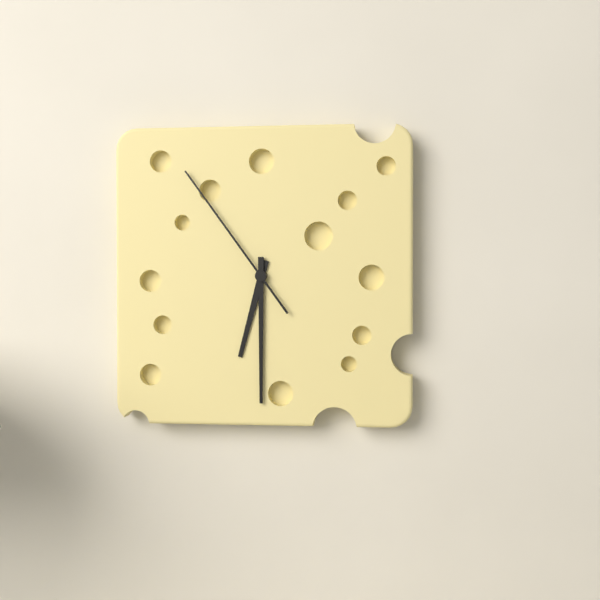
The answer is 6:30:54
